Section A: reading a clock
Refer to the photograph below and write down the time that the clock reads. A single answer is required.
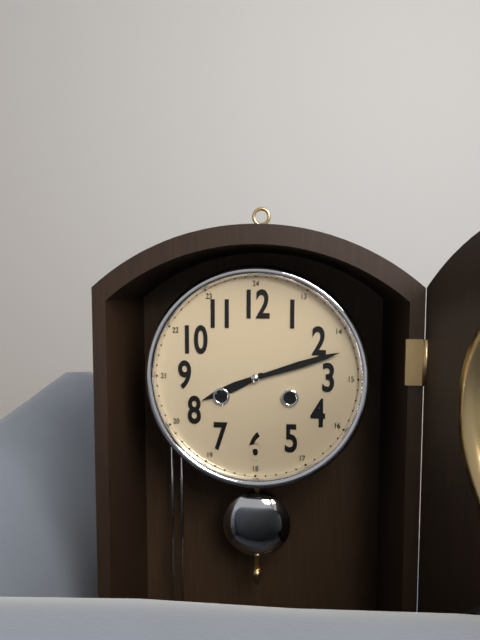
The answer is 8:12
